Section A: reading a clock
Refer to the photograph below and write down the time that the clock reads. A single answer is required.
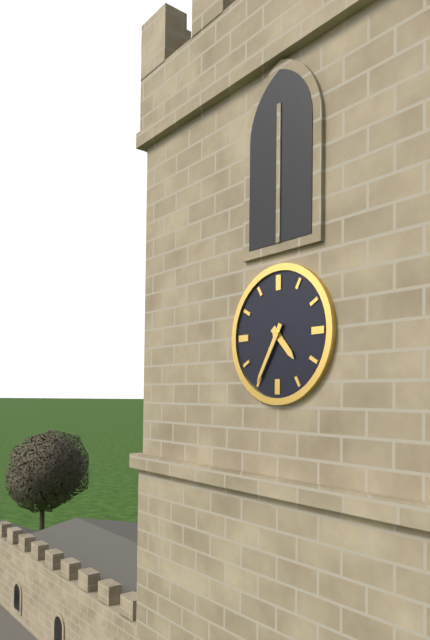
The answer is 4:35
